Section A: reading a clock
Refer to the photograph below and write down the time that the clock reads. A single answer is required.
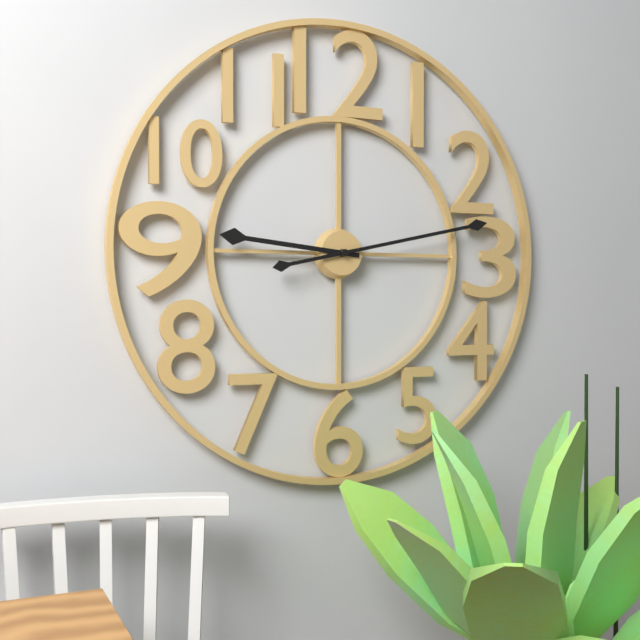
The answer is 9:13
